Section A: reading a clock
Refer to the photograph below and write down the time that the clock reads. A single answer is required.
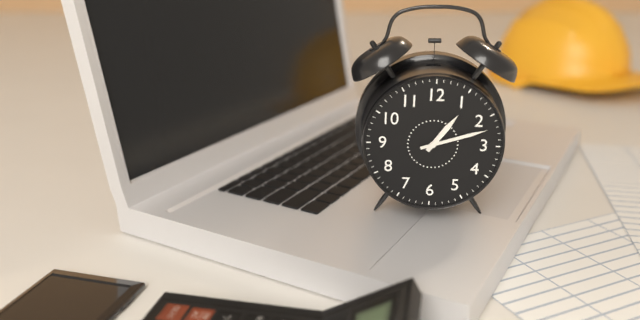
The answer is 1:12
